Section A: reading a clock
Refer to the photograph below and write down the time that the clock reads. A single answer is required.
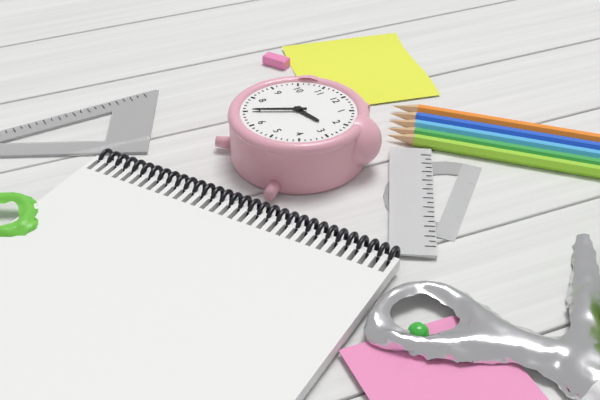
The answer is 2:35
